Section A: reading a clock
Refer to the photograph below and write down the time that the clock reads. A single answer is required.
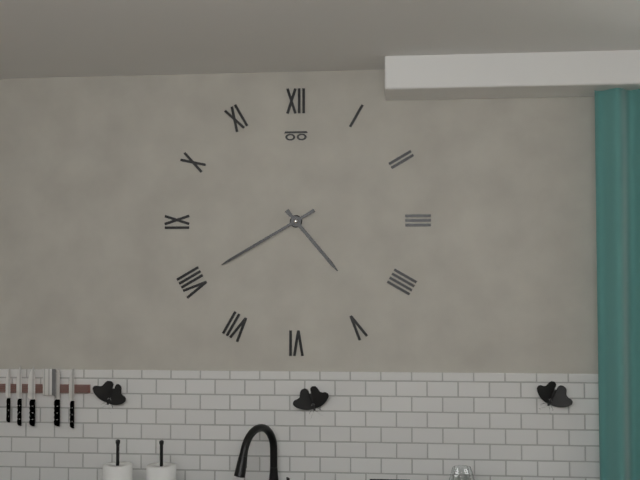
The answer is 4:40
